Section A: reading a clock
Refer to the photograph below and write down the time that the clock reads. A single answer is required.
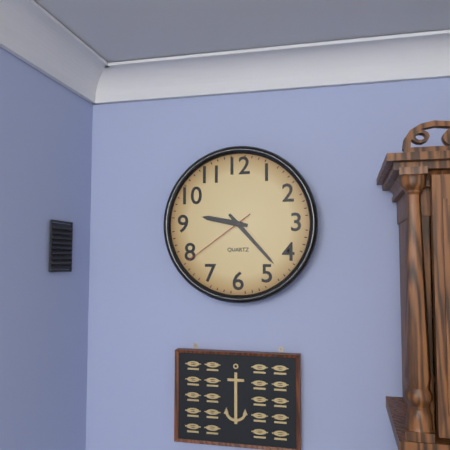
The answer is 9:23:39
